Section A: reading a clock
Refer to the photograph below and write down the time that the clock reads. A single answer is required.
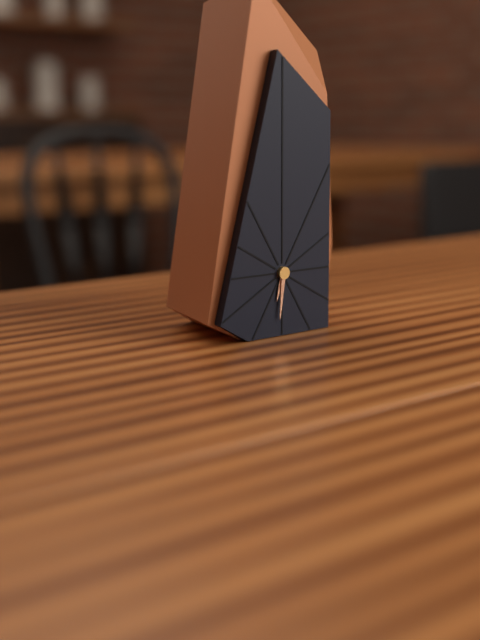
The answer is 6:31
